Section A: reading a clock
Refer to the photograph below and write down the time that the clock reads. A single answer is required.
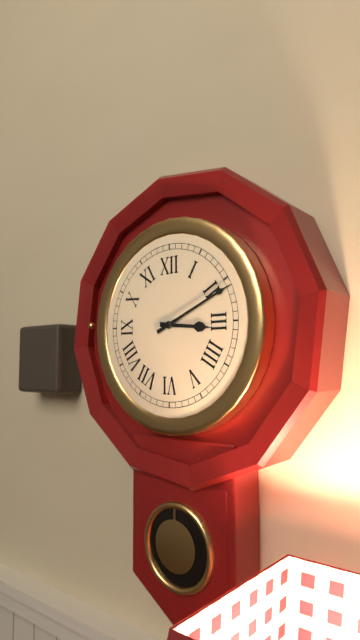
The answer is 3:11
